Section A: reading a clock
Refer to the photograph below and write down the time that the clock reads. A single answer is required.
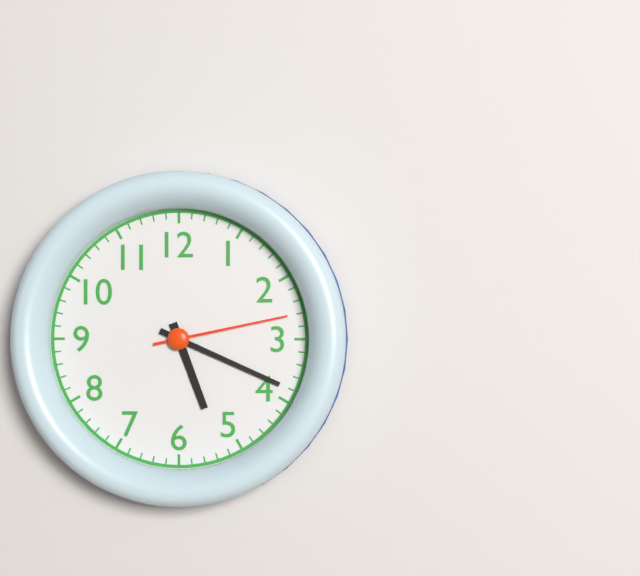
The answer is 5:19:13
